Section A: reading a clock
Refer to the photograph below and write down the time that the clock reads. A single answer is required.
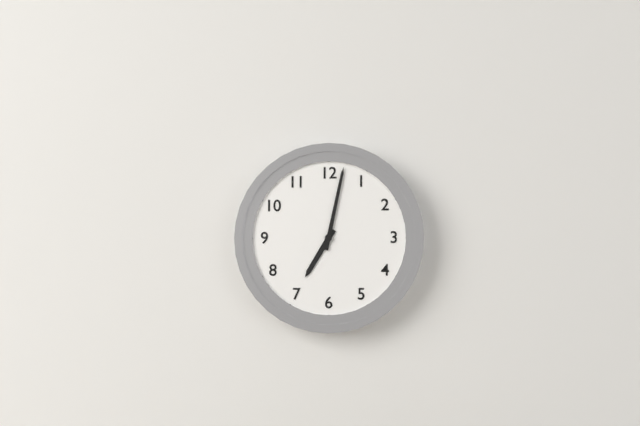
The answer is 7:02
